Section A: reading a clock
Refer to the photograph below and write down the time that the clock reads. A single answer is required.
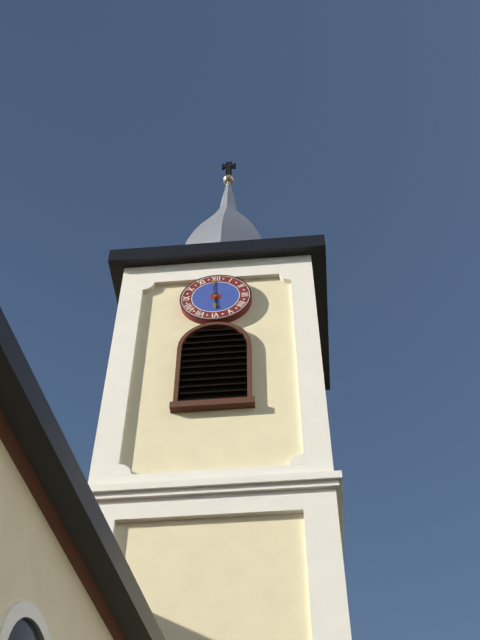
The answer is 5:59
